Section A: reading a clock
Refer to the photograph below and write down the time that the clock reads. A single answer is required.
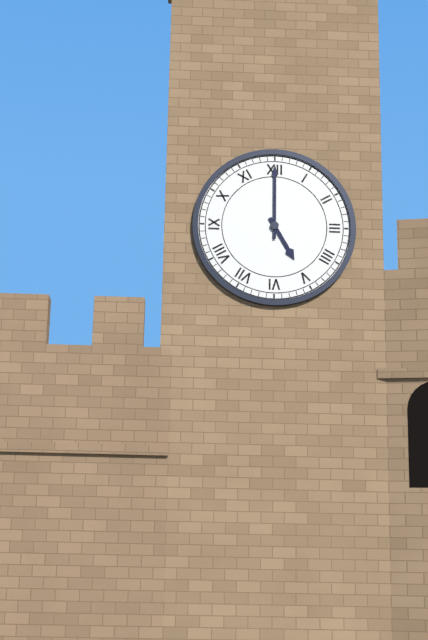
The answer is 5:00
